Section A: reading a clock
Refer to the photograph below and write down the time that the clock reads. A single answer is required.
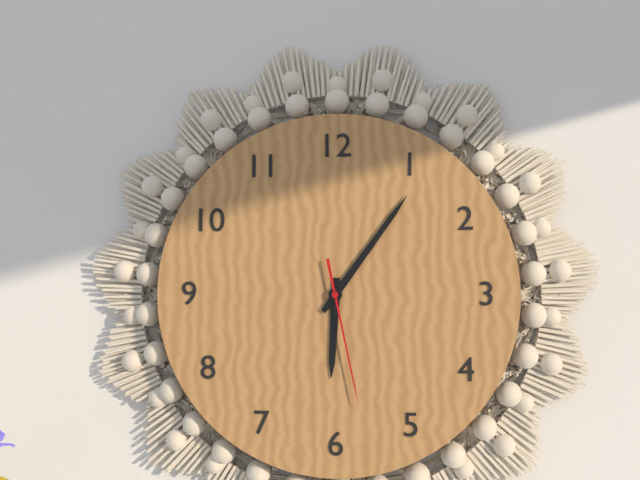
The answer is 6:06:28
